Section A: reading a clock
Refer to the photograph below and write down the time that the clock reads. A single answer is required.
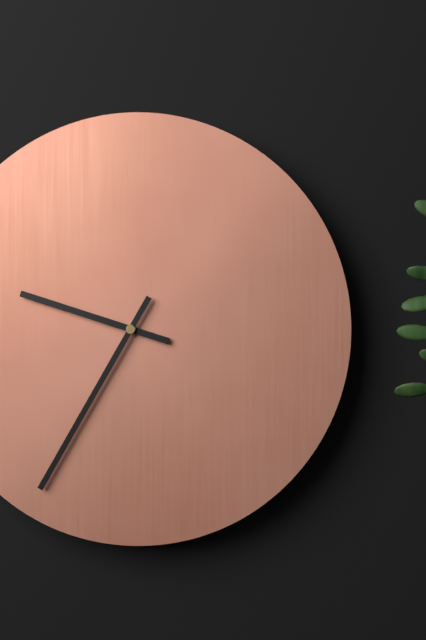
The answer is 9:35
